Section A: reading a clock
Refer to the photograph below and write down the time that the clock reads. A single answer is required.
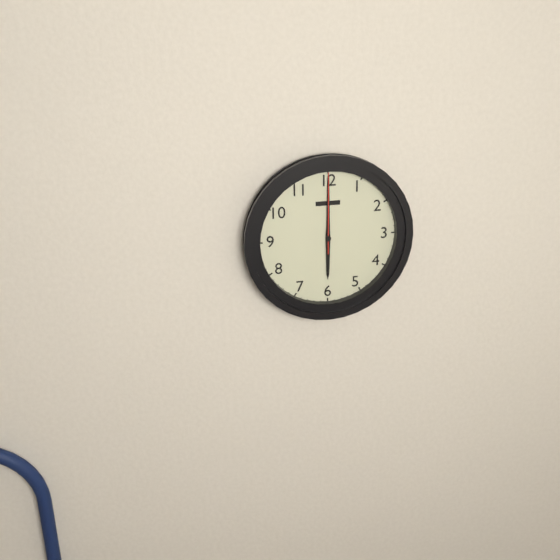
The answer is 6:00:00
